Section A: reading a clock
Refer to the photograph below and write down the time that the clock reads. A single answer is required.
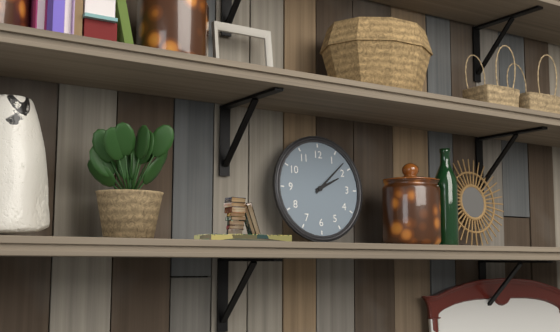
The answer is 2:08
